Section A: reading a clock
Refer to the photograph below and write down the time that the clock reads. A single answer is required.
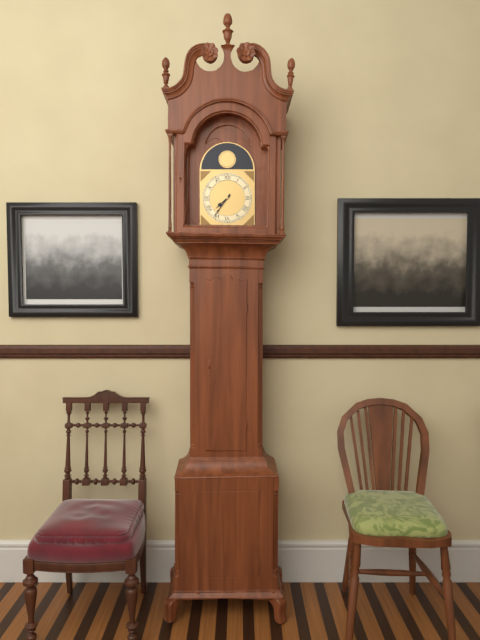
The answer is 7:36
